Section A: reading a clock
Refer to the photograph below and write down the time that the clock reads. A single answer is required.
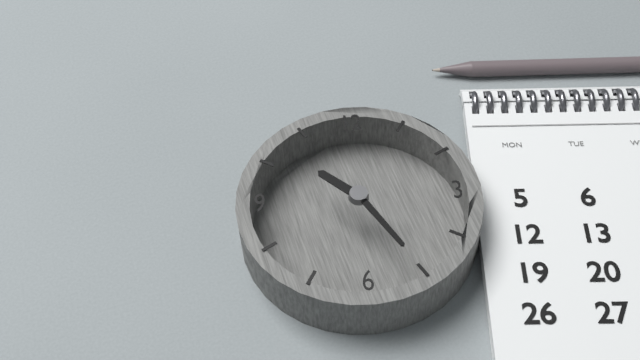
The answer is 10:25
